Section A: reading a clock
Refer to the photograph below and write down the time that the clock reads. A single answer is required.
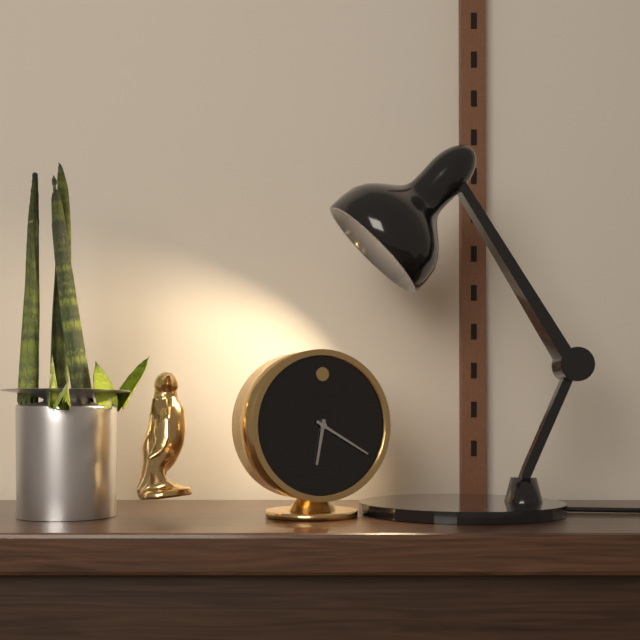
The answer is 6:20
